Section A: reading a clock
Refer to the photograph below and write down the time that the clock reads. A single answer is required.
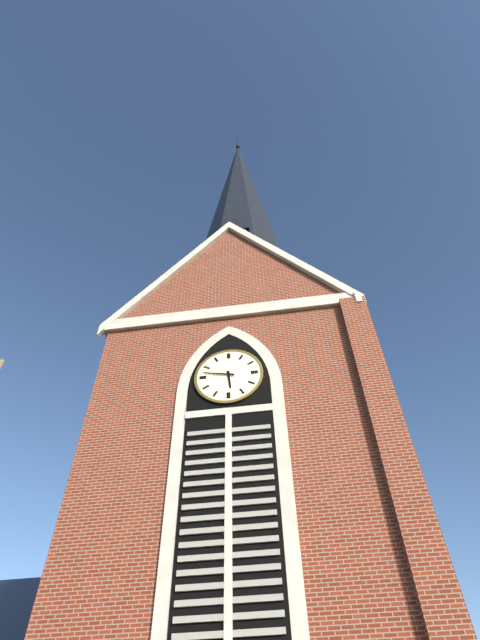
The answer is 5:47
